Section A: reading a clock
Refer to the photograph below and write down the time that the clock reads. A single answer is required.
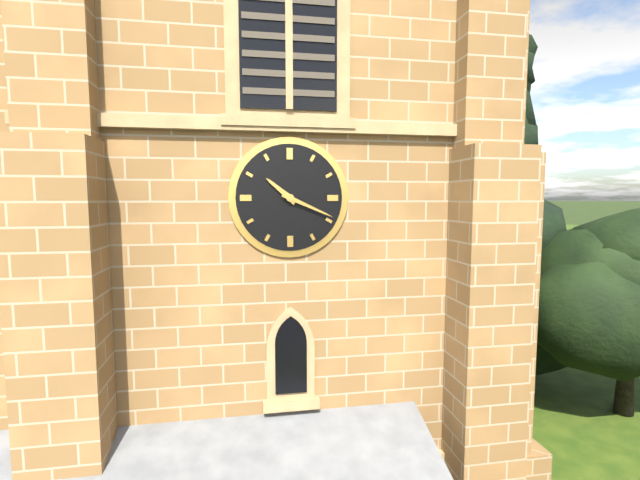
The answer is 10:19
